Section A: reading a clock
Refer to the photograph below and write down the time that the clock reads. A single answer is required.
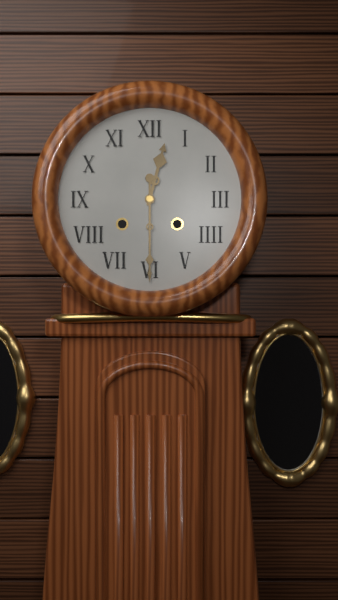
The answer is 12:30
